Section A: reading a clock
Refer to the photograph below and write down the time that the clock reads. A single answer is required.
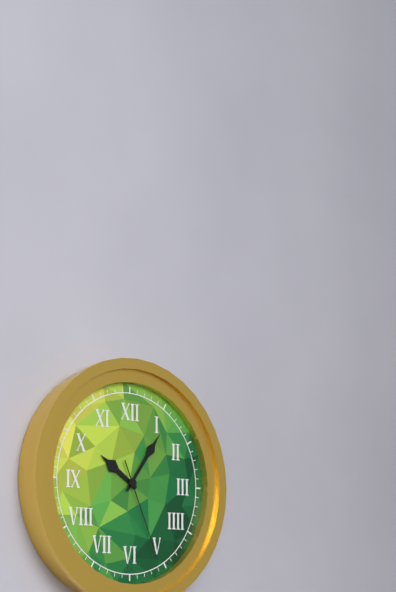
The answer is 10:06:26
